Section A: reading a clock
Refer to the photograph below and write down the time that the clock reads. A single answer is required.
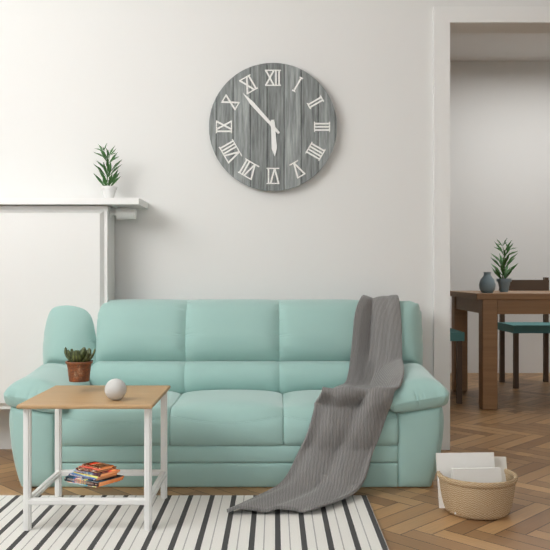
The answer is 5:53
